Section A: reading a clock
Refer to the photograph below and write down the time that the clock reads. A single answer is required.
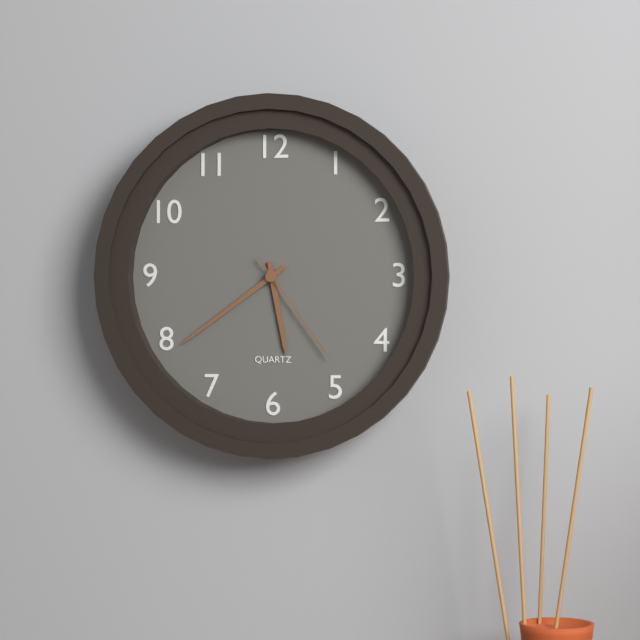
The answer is 5:39:24
